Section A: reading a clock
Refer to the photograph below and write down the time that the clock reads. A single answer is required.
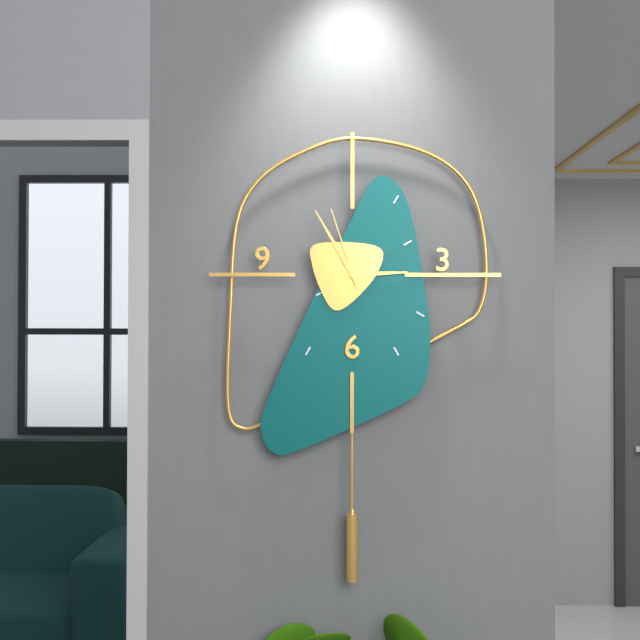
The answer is 2:55:57
